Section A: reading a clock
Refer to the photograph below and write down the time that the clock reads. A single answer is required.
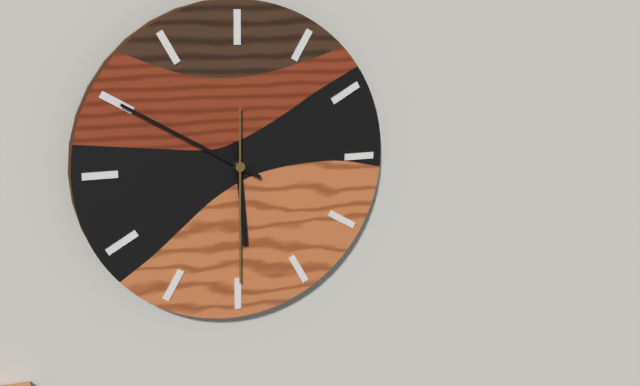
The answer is 5:50:30
